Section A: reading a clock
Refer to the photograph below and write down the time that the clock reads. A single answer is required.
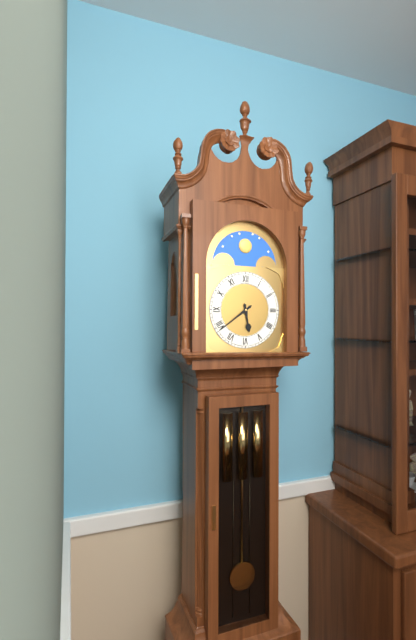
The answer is 5:39
